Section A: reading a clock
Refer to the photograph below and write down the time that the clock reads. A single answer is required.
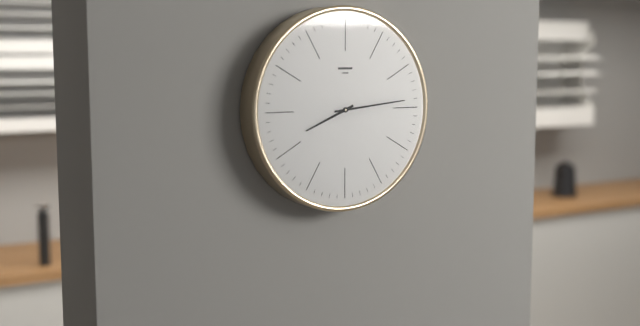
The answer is 8:14
